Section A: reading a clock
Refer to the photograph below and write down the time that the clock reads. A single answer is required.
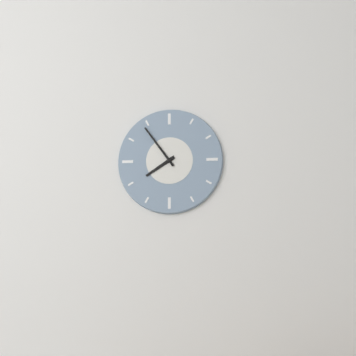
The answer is 7:54
